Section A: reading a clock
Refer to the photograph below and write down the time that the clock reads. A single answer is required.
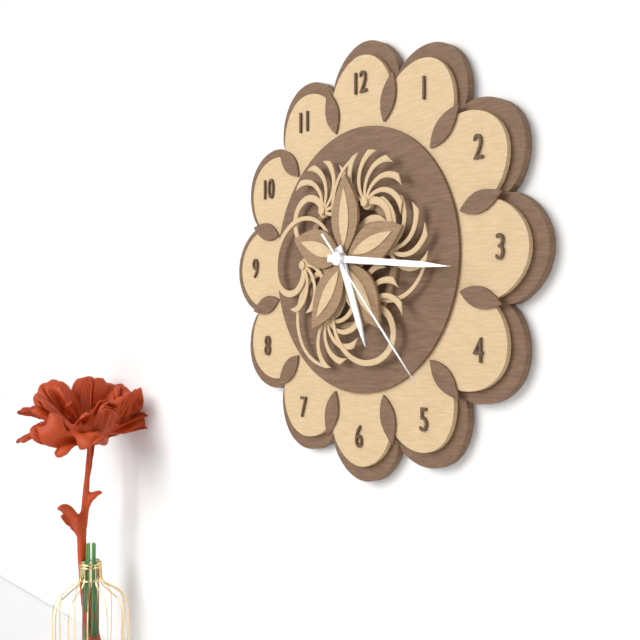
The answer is 5:16:23
